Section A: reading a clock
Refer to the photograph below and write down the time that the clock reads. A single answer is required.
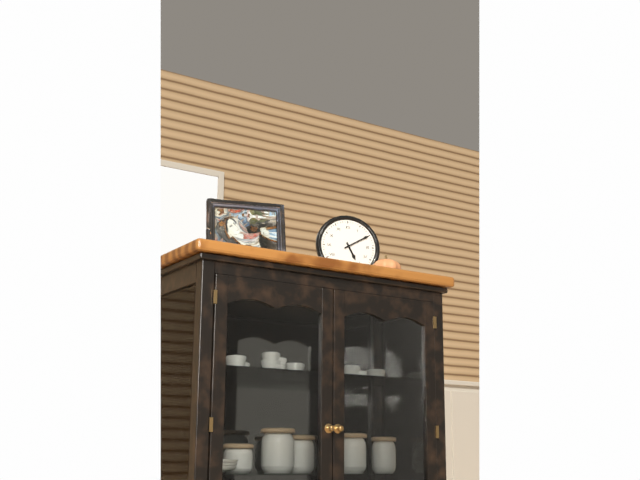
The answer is 5:10
